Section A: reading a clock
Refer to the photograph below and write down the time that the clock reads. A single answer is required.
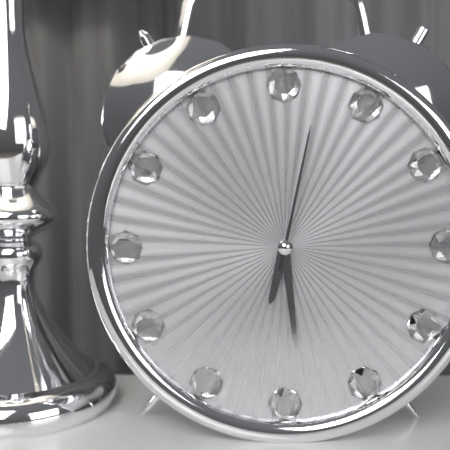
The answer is 6:29:02
